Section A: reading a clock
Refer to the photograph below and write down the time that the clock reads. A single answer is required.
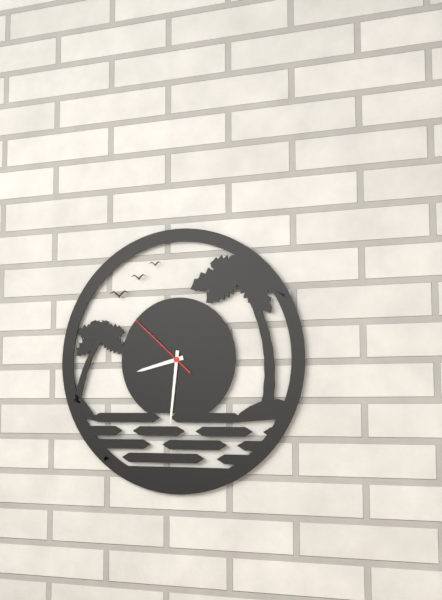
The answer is 8:31:52
